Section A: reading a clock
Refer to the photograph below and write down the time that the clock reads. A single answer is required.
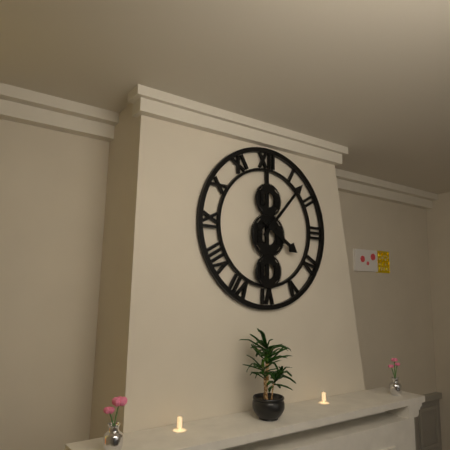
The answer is 4:07
